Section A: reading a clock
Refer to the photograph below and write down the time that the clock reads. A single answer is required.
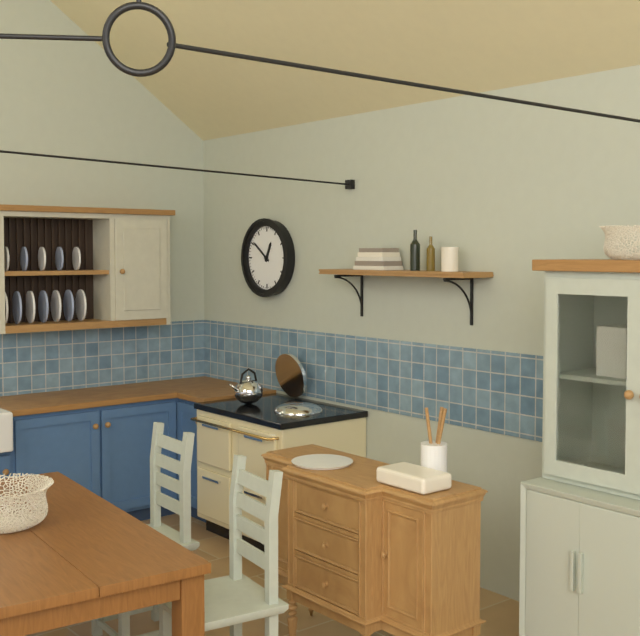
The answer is 12:51
